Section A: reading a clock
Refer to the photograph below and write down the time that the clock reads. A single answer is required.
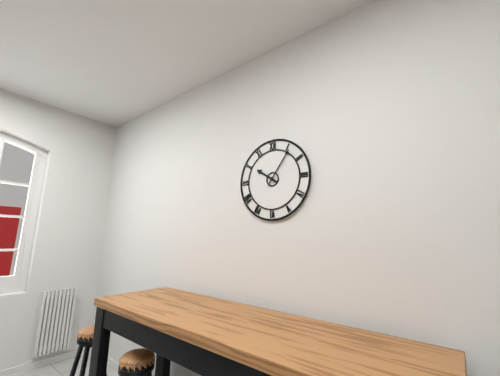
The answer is 10:06
